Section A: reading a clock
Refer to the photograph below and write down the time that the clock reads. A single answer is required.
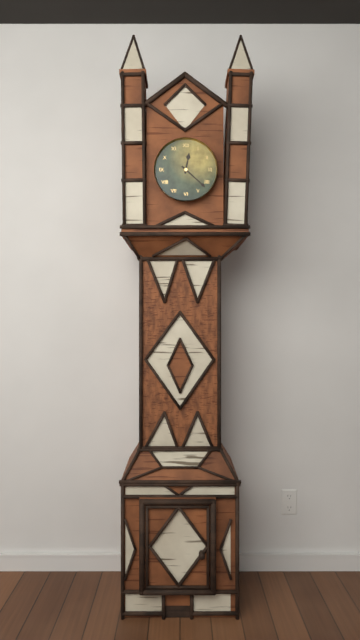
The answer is 12:22
